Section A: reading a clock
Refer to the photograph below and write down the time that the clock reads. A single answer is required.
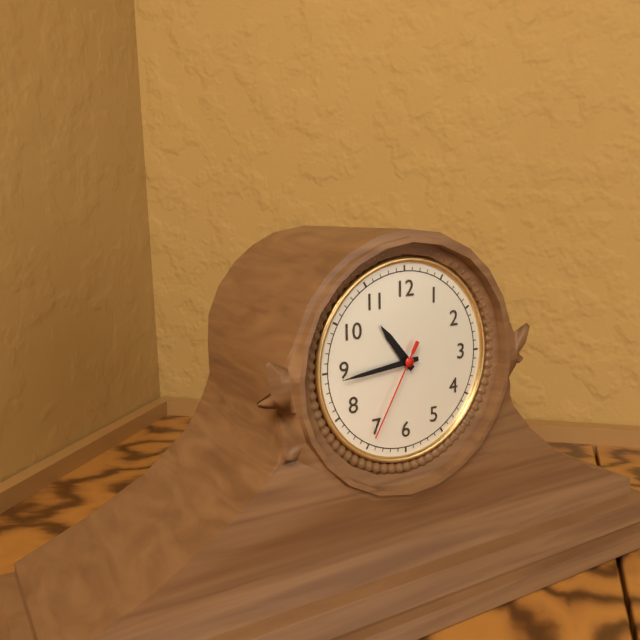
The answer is 10:44:35
